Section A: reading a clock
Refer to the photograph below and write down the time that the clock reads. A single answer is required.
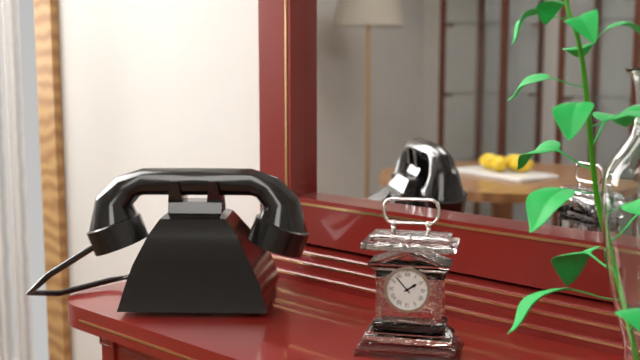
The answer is 1:53
